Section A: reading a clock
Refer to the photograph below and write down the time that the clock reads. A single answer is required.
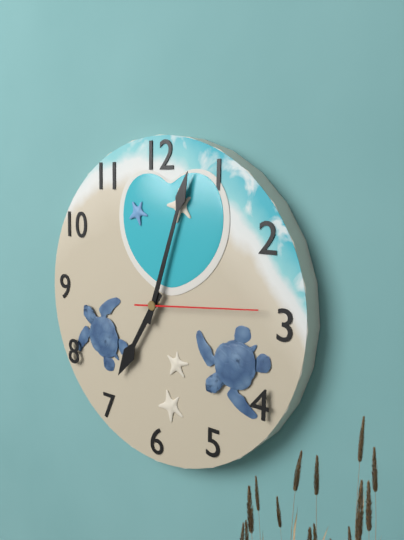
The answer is 7:03:14
